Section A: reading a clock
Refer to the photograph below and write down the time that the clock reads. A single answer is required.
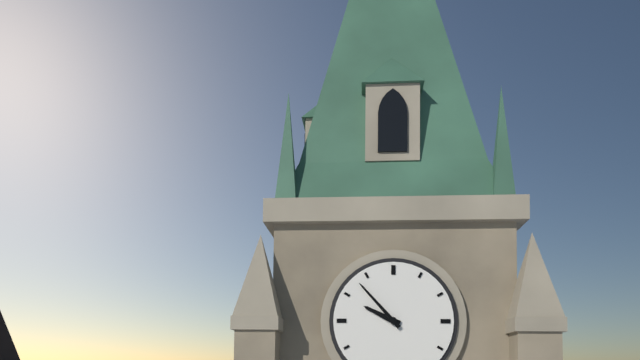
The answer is 9:53
